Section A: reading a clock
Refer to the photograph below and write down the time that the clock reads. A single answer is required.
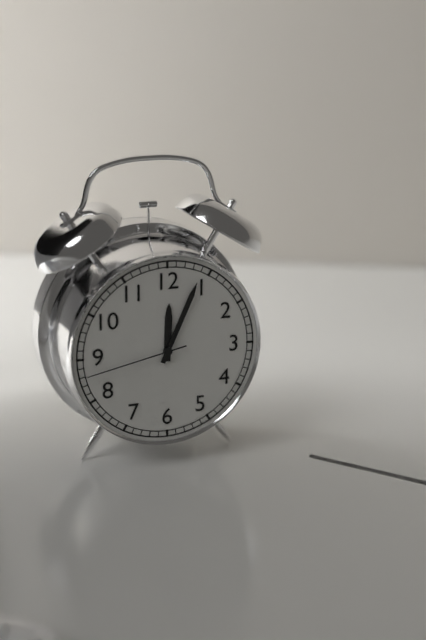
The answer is 12:04:43
